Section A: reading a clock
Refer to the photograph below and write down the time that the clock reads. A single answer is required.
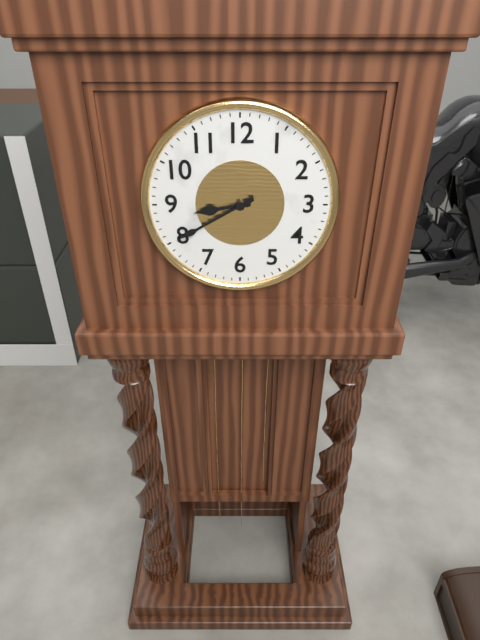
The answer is 8:40
